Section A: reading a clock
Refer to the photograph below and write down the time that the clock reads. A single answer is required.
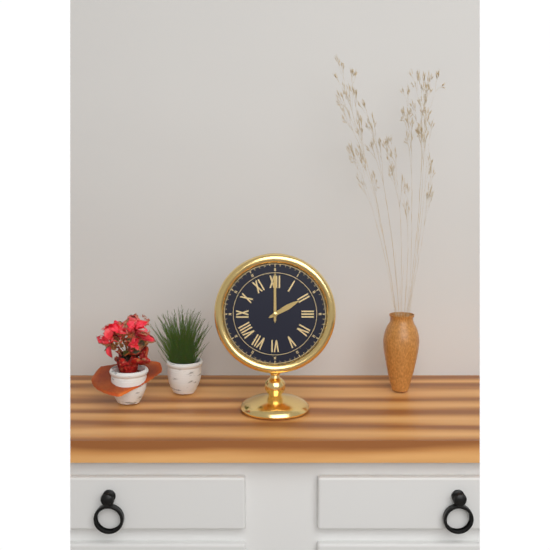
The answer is 2:00
